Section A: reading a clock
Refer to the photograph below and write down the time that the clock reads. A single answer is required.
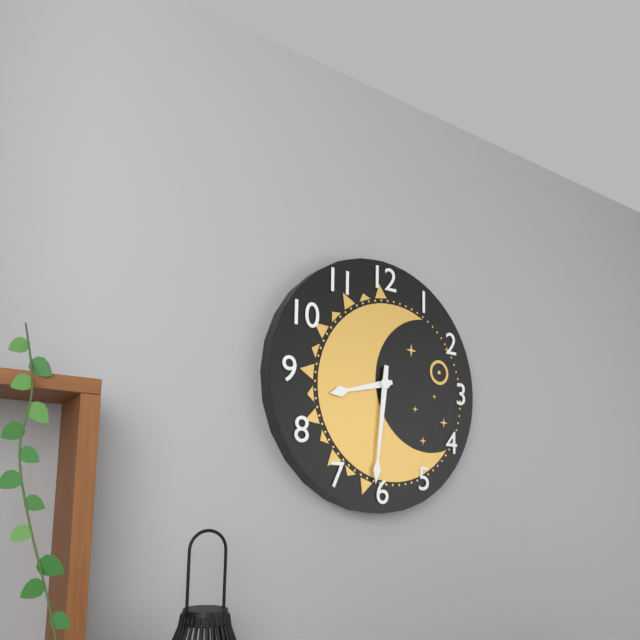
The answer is 8:31
